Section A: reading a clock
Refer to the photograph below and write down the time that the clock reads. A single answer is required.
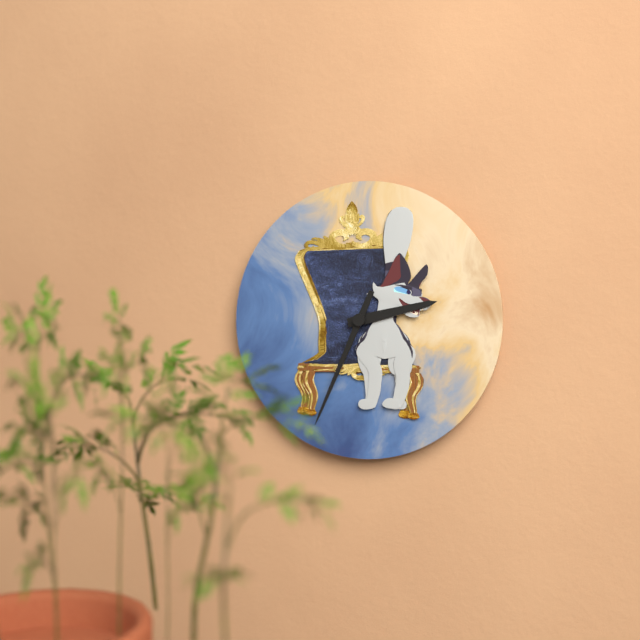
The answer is 2:34
